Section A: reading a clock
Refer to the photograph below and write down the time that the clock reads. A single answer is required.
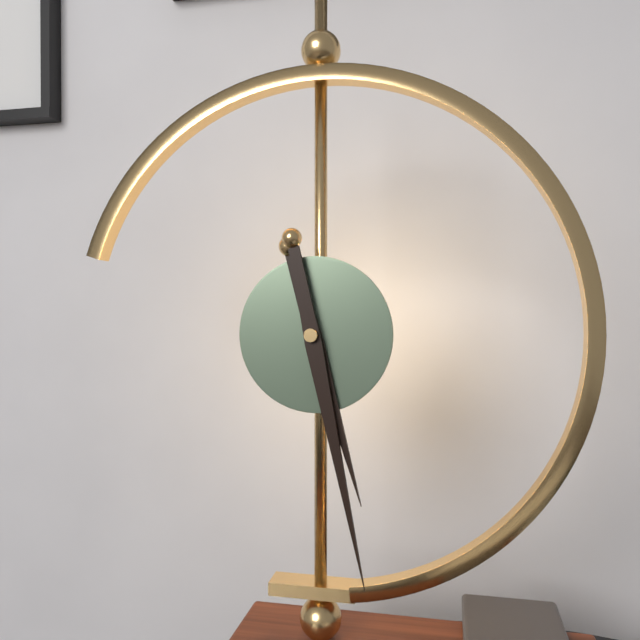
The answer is 5:28
